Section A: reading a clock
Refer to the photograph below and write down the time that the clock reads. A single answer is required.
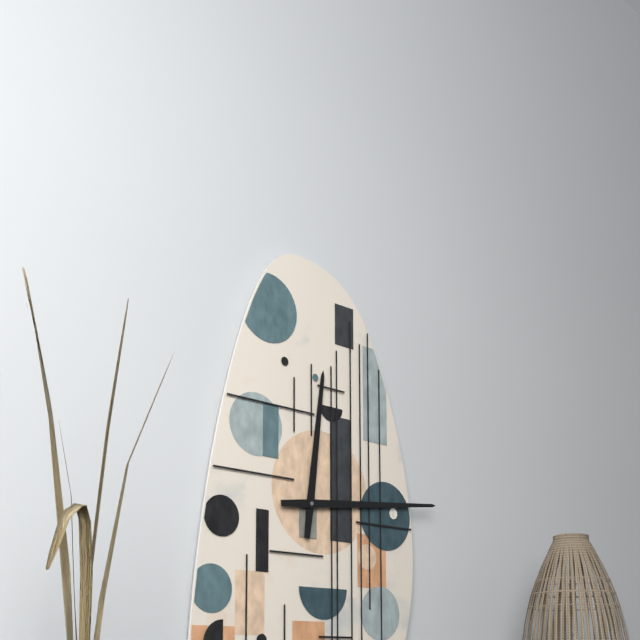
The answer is 12:14
